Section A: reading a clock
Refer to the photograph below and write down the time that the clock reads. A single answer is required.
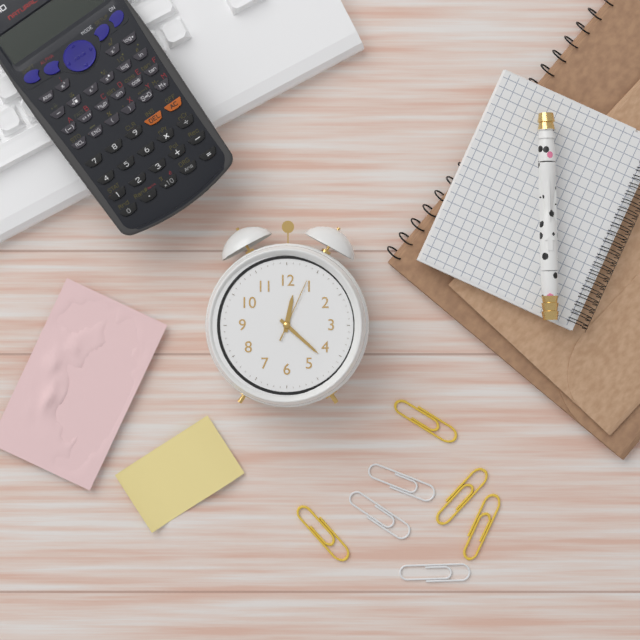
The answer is 12:22:04
